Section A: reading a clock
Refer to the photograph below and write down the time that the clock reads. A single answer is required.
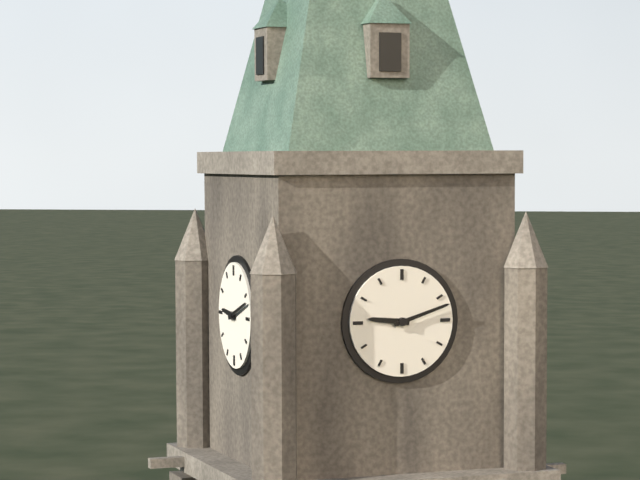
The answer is 9:12
